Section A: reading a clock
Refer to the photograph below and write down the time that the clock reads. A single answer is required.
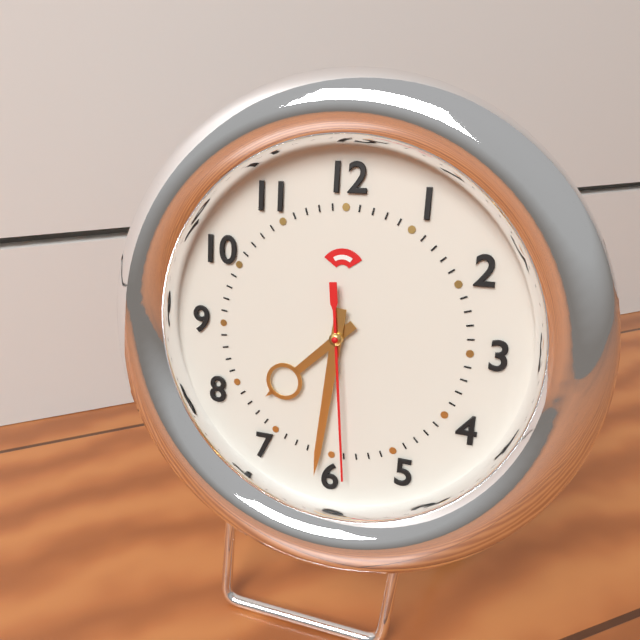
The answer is 7:31:29
